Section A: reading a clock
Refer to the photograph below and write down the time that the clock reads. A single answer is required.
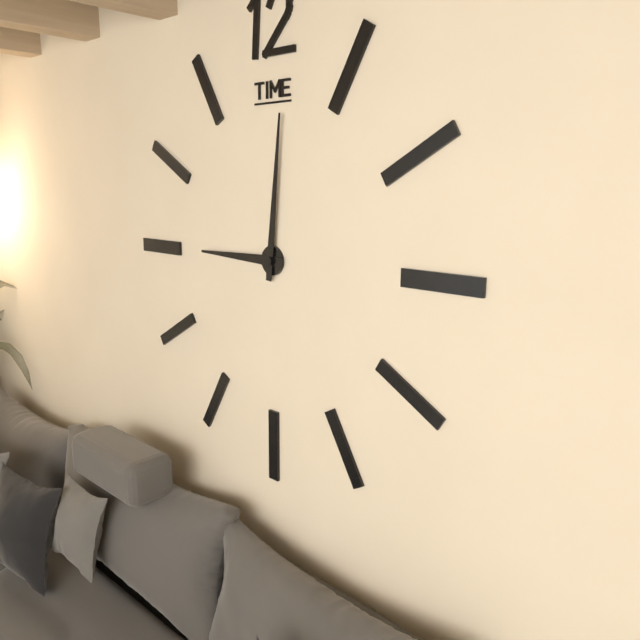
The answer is 9:01
